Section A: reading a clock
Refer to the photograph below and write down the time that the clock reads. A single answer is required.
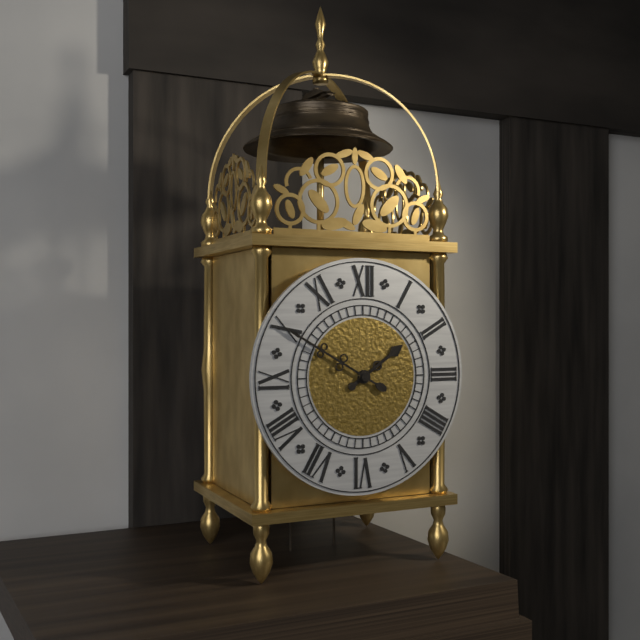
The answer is 1:50
